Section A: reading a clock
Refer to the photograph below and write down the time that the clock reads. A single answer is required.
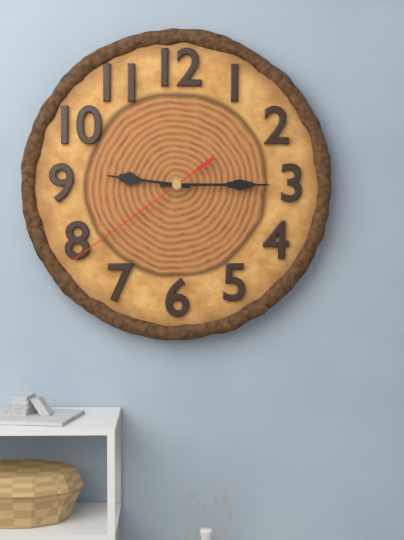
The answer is 9:15:39
